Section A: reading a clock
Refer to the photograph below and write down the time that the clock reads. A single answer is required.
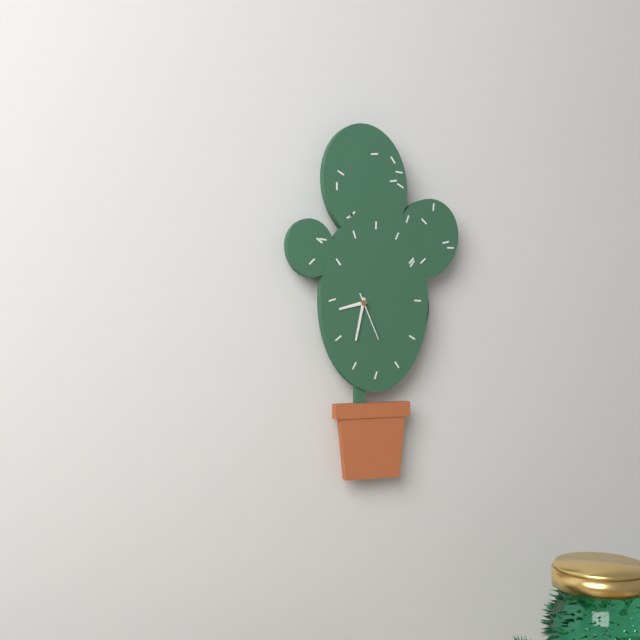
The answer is 8:32
